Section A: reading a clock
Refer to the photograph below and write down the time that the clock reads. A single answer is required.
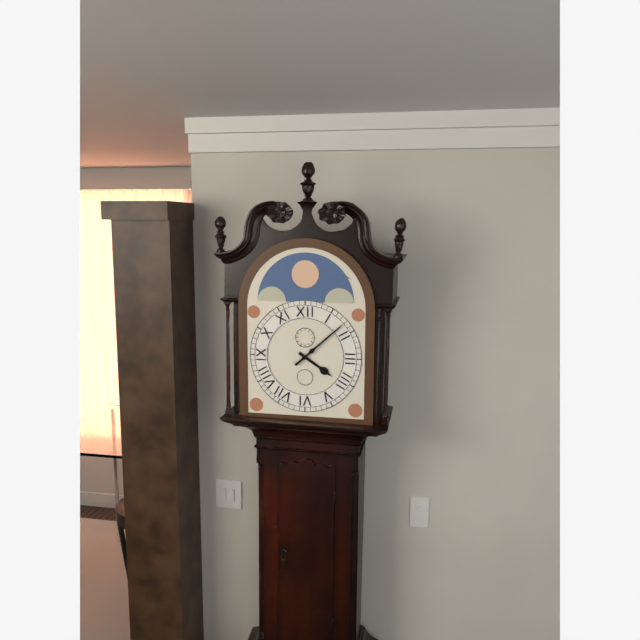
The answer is 4:08
